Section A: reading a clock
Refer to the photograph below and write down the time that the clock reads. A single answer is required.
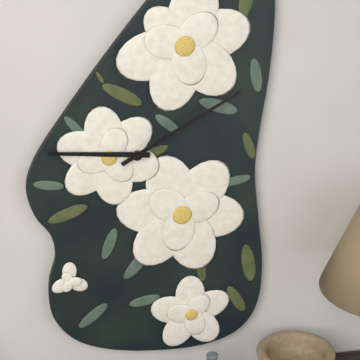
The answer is 9:10
